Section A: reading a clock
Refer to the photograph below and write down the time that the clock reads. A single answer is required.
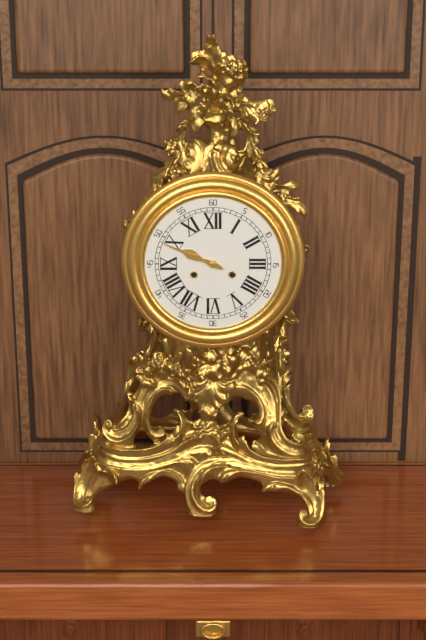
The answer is 9:49
